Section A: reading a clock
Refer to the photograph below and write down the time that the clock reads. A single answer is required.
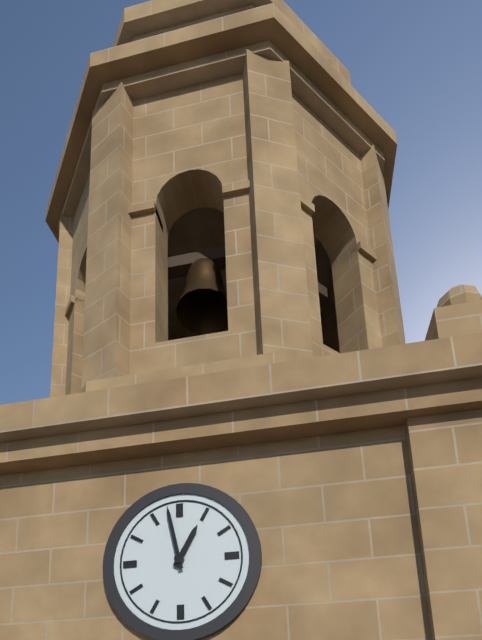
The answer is 12:58
